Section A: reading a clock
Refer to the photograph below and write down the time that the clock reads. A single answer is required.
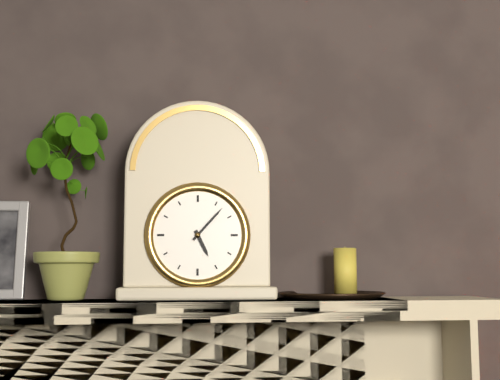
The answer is 5:07
